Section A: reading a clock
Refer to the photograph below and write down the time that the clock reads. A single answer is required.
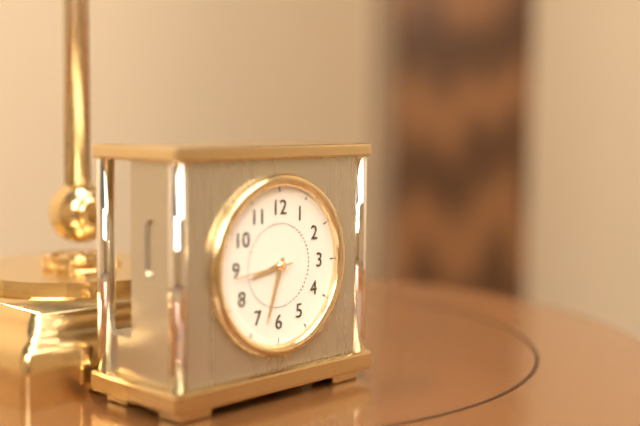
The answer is 8:33
